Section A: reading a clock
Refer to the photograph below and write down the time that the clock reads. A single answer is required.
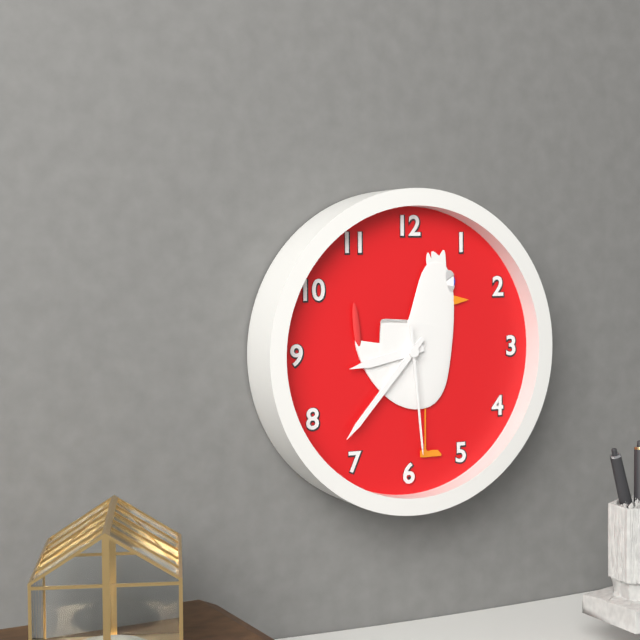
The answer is 8:37:29
